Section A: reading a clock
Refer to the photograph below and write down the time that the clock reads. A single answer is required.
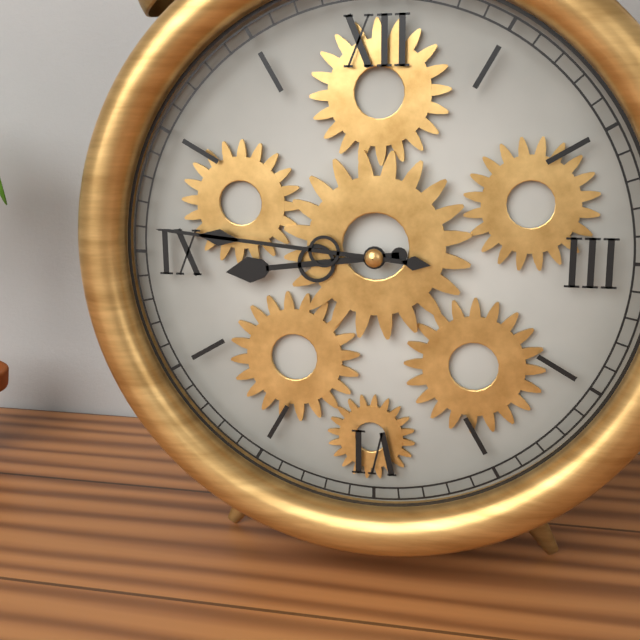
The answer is 8:46
